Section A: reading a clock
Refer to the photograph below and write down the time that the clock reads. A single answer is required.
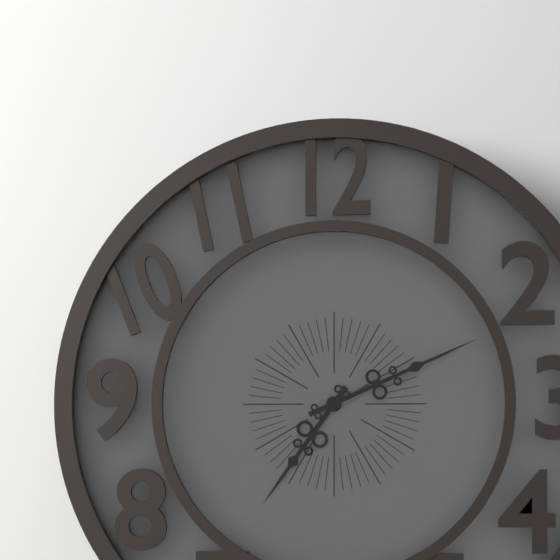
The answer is 7:11
